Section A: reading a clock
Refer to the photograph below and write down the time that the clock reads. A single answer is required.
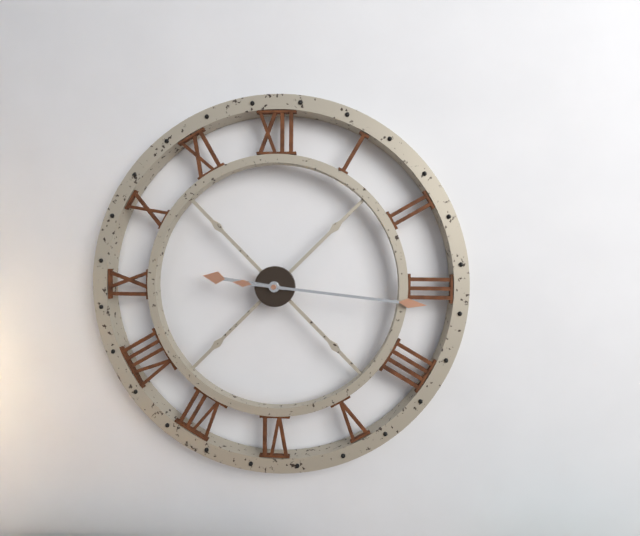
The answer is 9:16
